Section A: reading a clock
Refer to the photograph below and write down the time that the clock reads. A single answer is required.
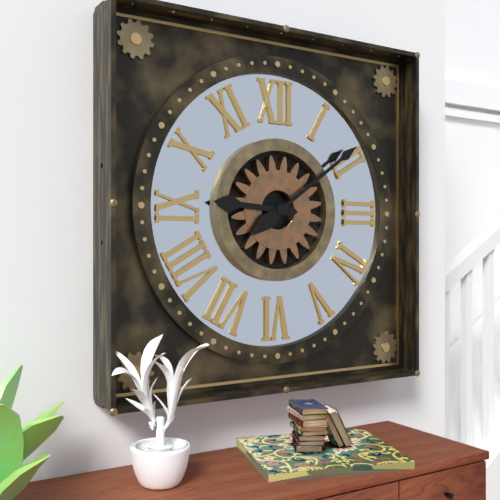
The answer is 9:09
